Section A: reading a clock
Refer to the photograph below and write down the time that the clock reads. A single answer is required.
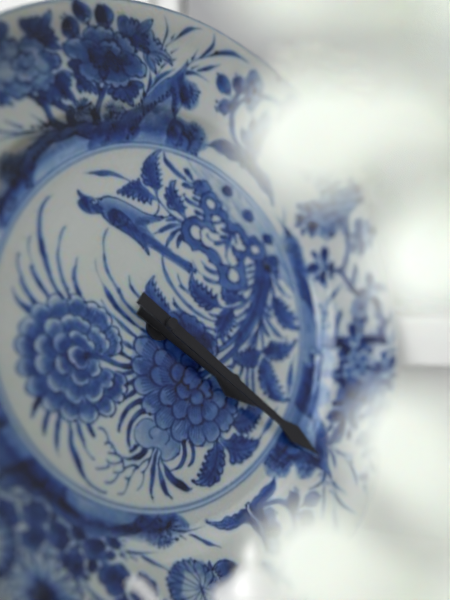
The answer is 4:22
